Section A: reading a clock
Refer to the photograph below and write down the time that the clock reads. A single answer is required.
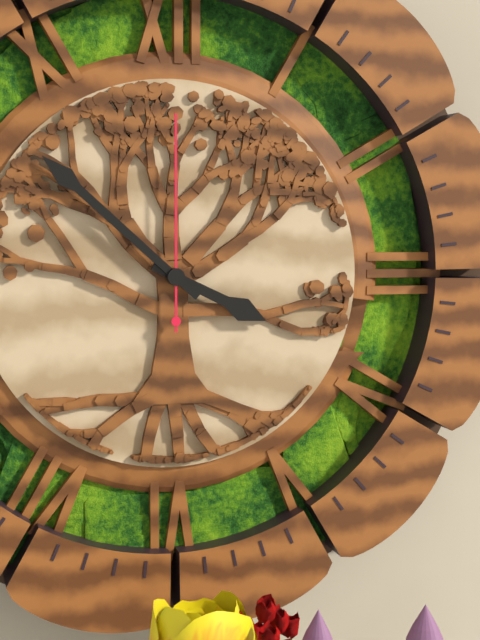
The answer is 3:52:00
